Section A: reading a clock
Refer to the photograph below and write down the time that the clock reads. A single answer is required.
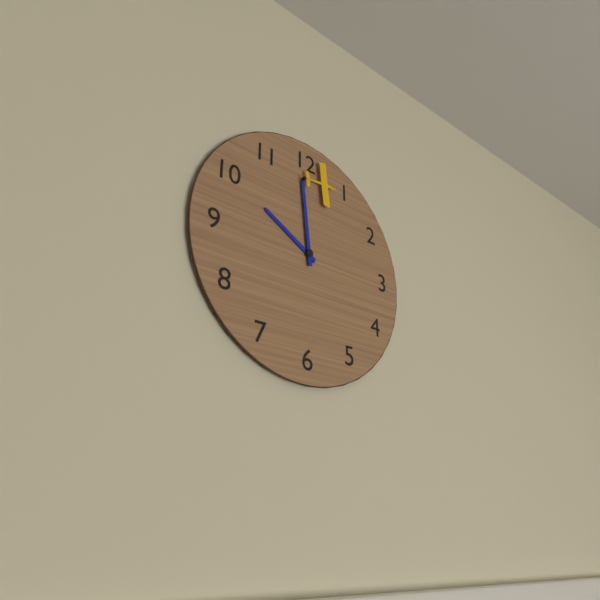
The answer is 9:59
